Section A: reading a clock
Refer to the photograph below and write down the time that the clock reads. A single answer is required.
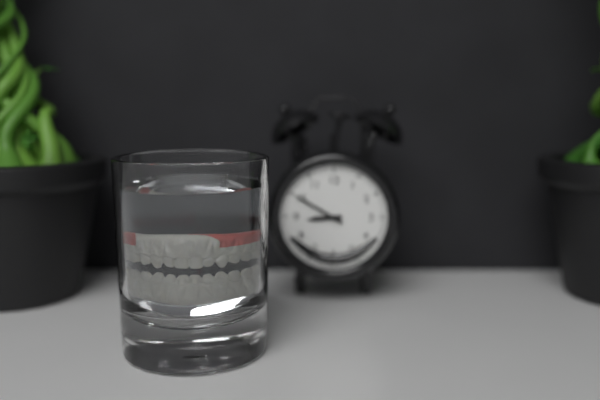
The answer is 8:50
